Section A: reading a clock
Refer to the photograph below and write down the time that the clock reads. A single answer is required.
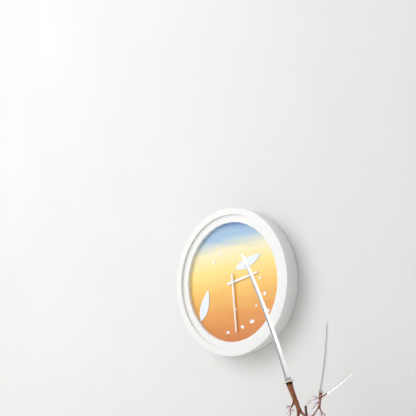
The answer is 2:29
